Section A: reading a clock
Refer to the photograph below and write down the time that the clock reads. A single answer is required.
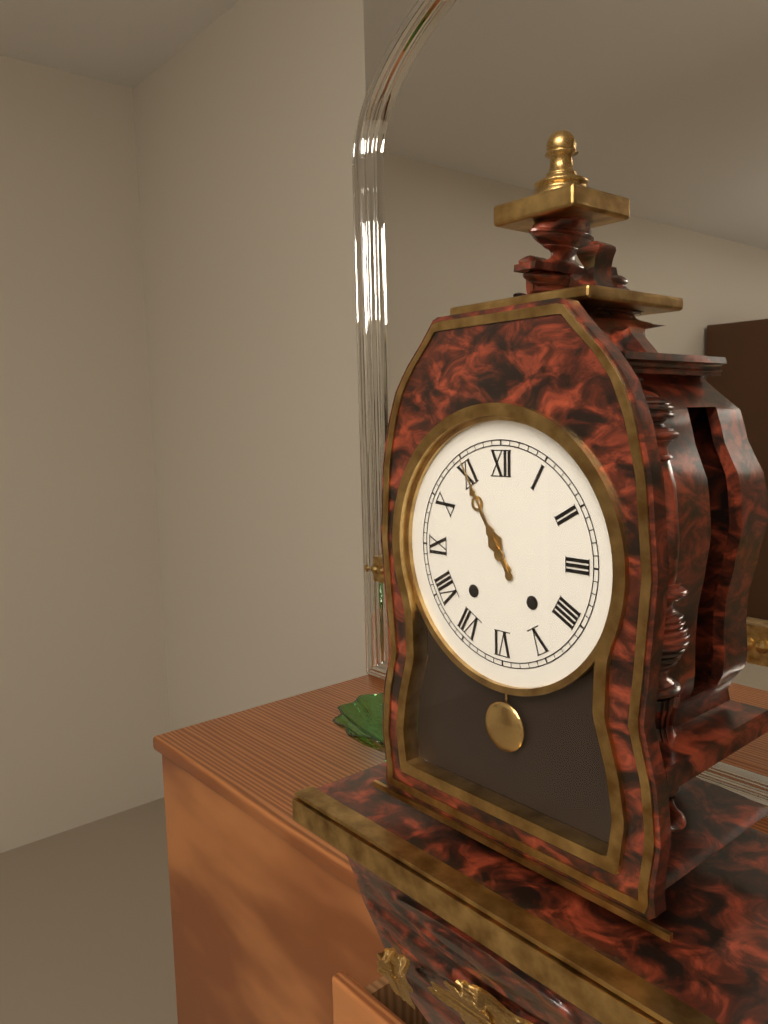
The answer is 10:55
